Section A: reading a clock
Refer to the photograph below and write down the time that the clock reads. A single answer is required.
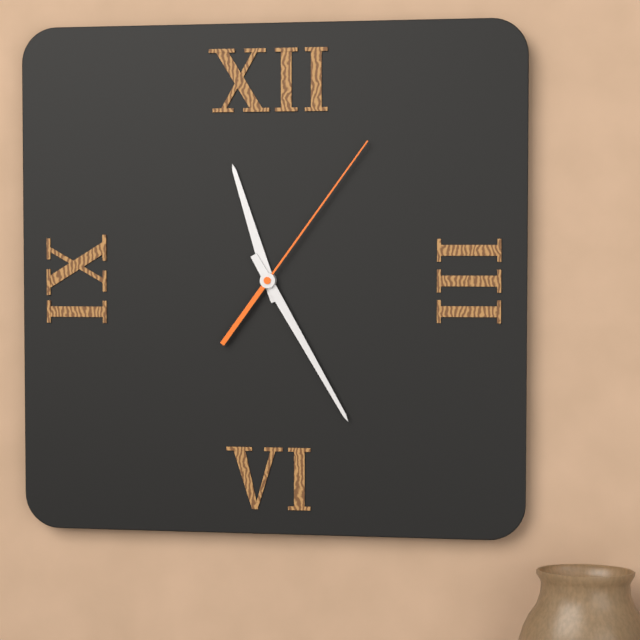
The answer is 11:25:06
